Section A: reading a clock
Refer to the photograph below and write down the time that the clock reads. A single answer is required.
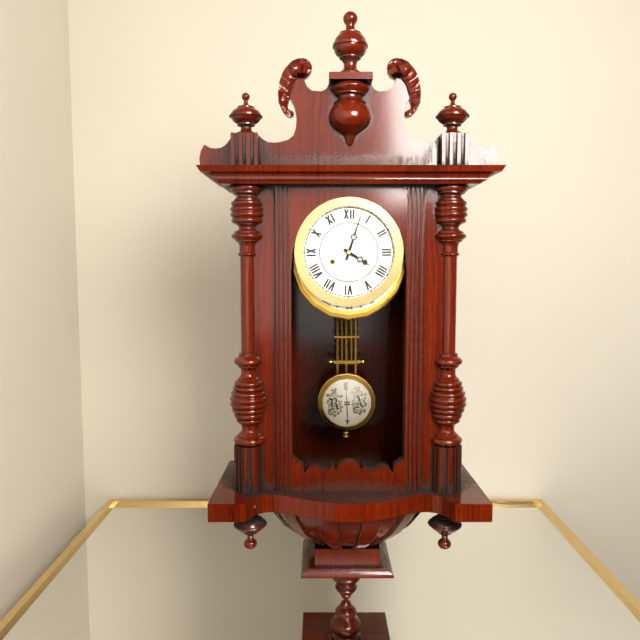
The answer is 4:03
